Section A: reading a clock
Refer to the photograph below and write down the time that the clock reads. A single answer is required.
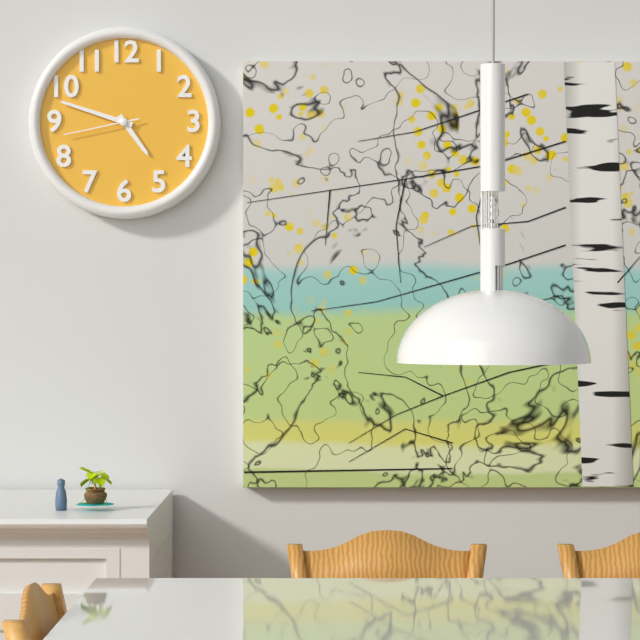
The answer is 4:48:43
